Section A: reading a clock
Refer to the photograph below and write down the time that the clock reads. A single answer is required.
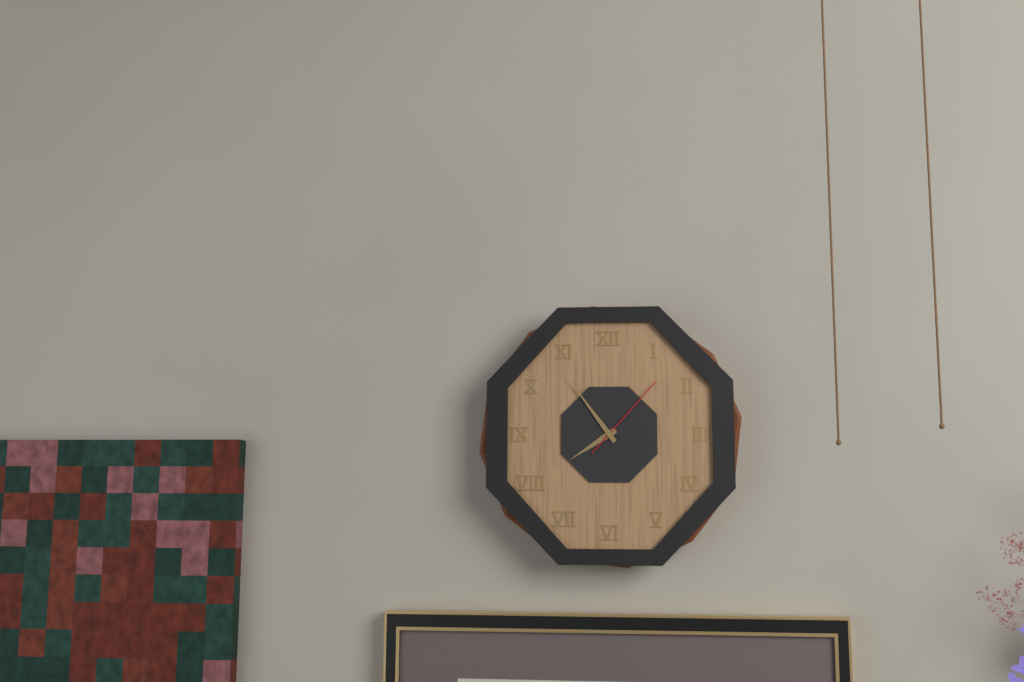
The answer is 7:54:07
